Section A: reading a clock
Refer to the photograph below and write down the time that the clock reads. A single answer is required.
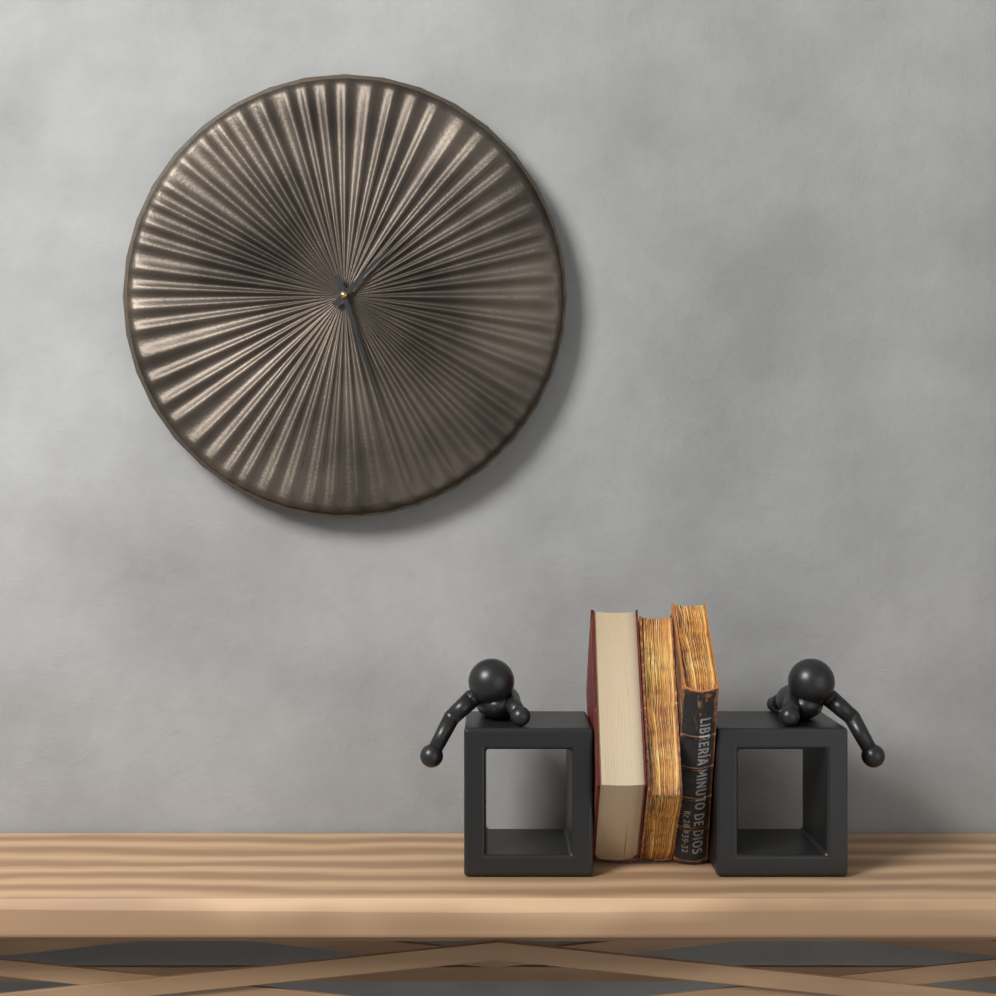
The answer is 1:27
